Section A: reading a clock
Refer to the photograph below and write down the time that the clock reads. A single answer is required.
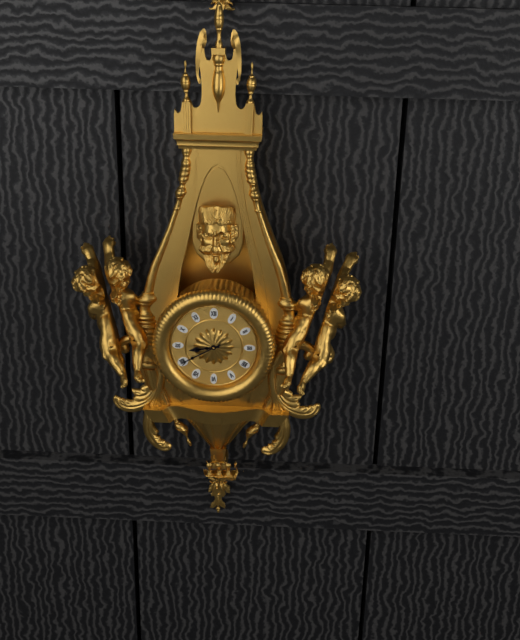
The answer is 8:40
